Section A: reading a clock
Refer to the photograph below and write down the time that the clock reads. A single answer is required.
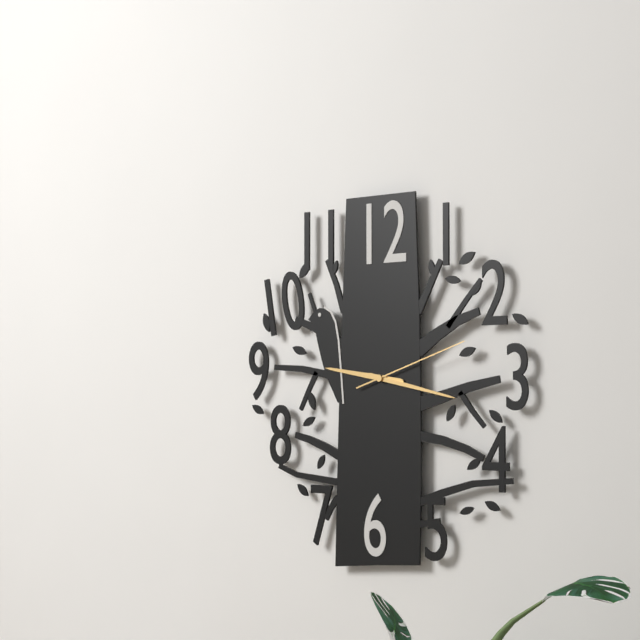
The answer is 9:17:12
